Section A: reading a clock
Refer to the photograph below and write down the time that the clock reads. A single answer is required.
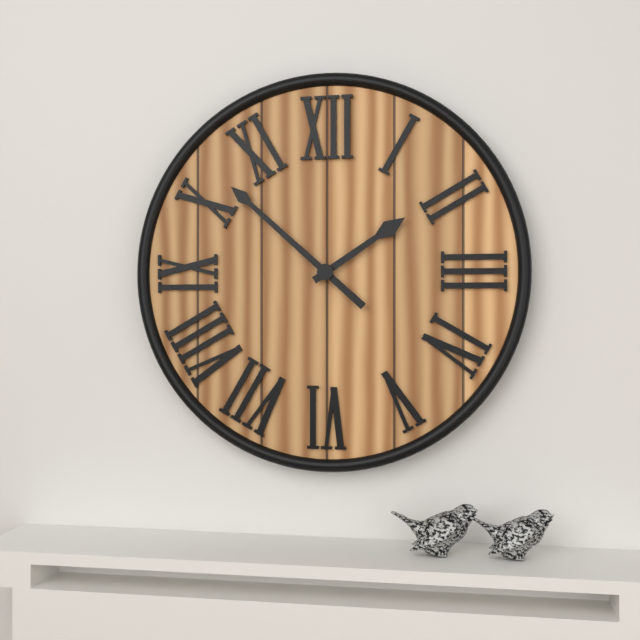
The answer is 1:52
